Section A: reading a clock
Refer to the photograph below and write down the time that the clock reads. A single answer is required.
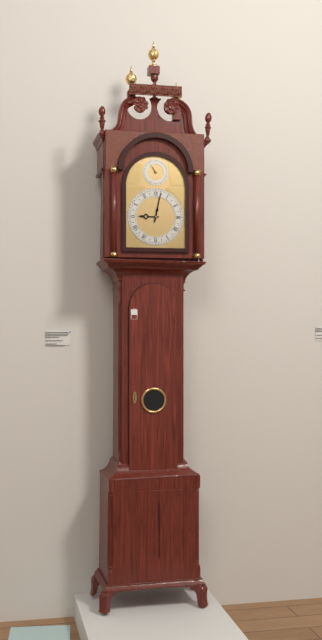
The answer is 9:02
